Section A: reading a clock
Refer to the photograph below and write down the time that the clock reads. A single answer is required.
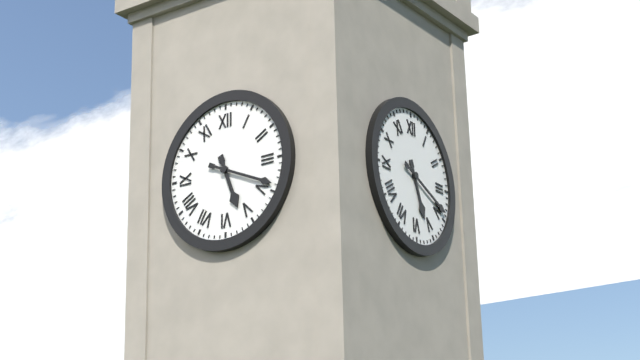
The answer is 5:19
